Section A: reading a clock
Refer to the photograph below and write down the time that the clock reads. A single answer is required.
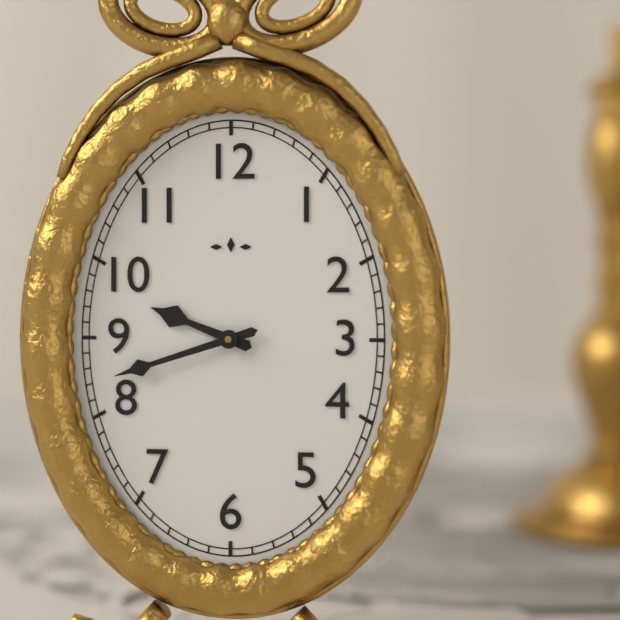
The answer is 9:42
